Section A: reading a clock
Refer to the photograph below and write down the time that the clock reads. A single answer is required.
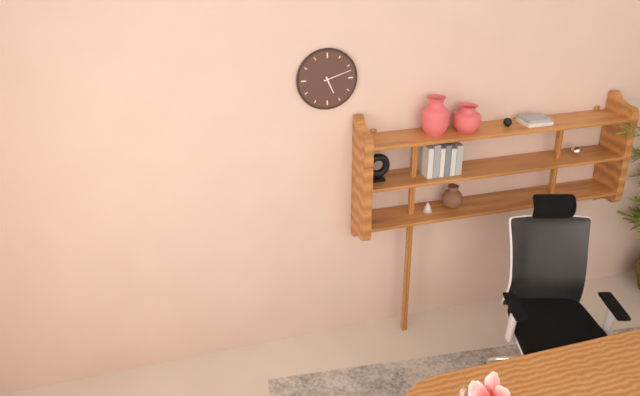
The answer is 5:12
